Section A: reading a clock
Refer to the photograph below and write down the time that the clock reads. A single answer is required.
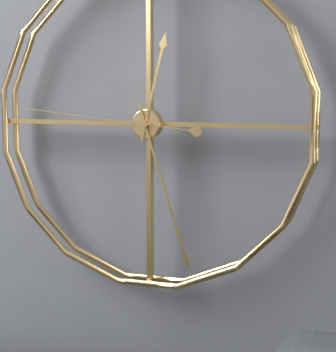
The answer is 12:27:46
